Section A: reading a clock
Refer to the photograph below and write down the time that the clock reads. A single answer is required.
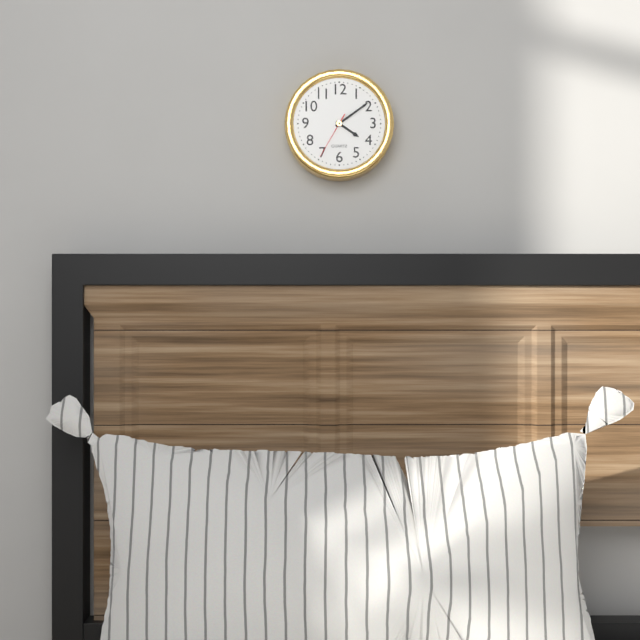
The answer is 4:09
